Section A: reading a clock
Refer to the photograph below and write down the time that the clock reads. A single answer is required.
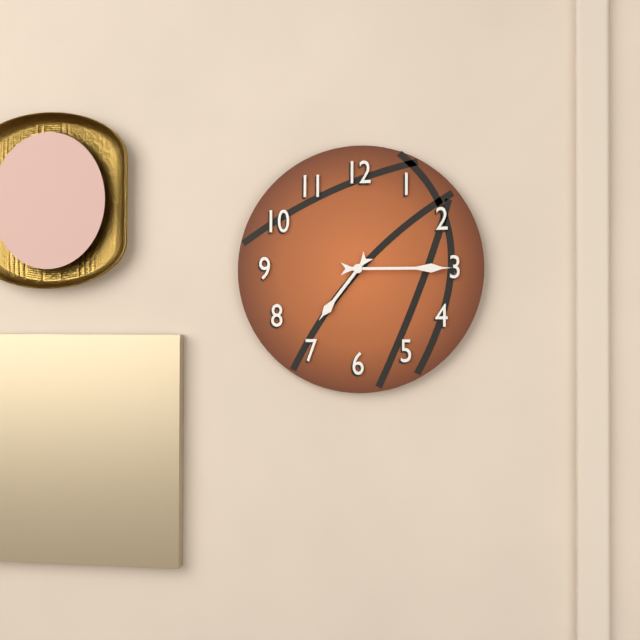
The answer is 7:15
